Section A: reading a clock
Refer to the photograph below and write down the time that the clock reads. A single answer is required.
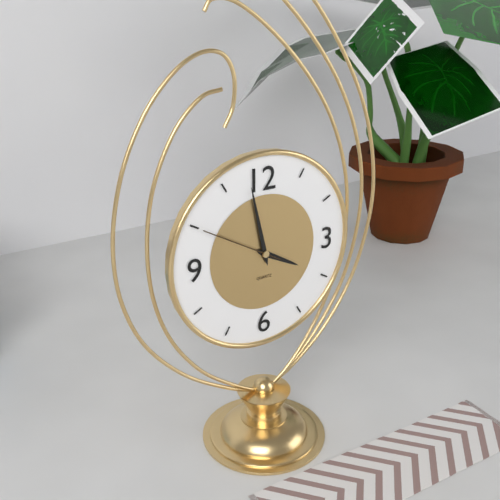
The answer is 3:58:50
